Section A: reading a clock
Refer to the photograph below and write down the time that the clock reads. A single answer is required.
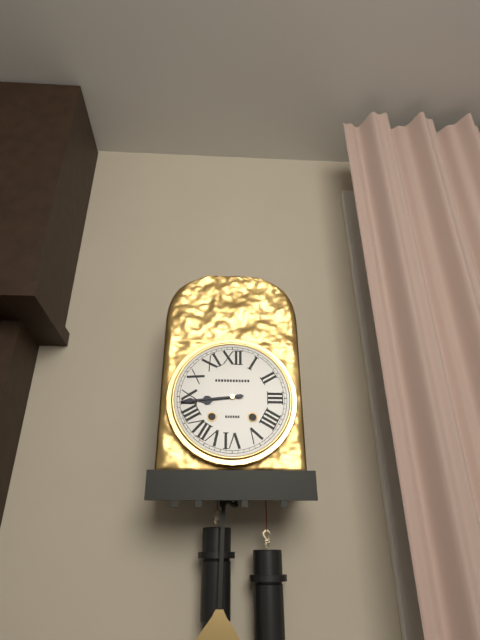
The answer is 8:44
